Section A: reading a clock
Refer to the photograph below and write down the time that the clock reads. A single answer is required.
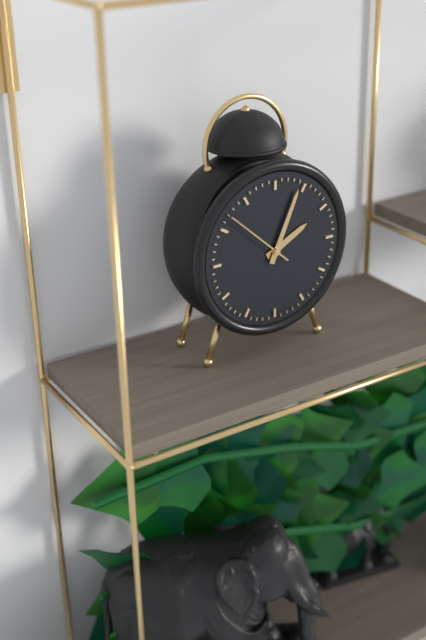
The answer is 2:04:52
